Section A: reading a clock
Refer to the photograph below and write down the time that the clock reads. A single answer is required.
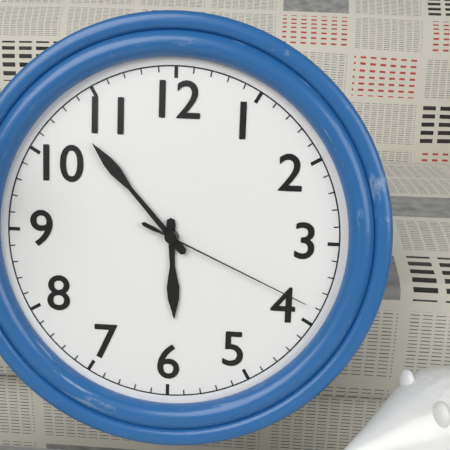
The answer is 5:53:19
